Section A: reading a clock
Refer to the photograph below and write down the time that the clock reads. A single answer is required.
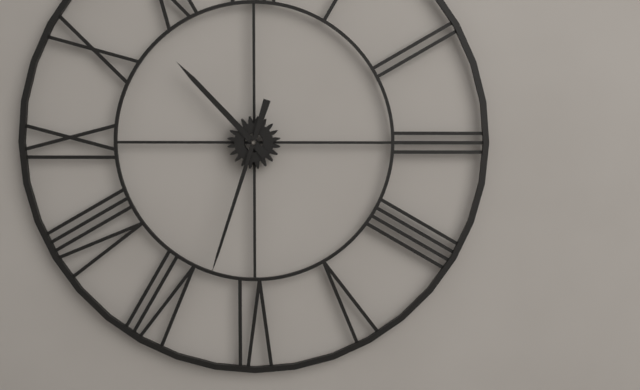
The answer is 10:33
